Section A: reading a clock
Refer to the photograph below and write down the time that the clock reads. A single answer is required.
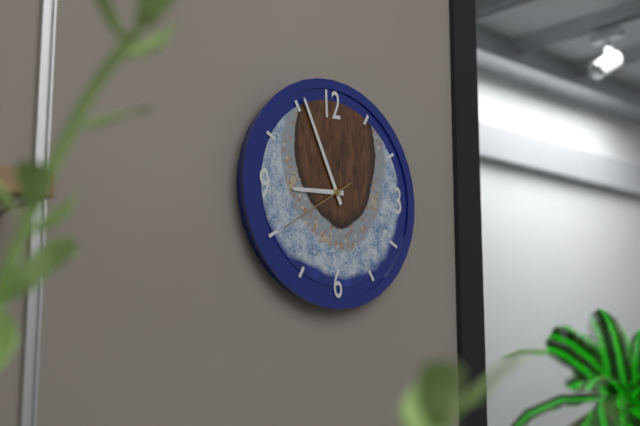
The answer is 8:56:40
